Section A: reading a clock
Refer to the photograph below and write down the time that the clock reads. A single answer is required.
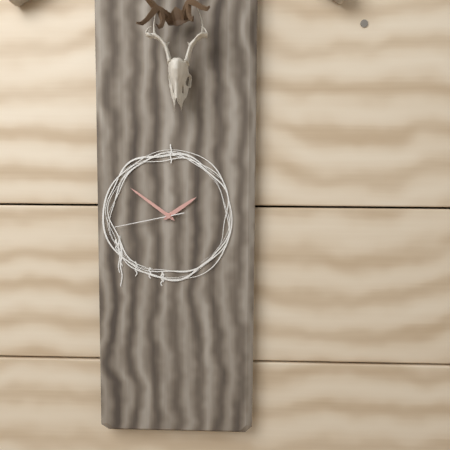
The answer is 1:51:43
